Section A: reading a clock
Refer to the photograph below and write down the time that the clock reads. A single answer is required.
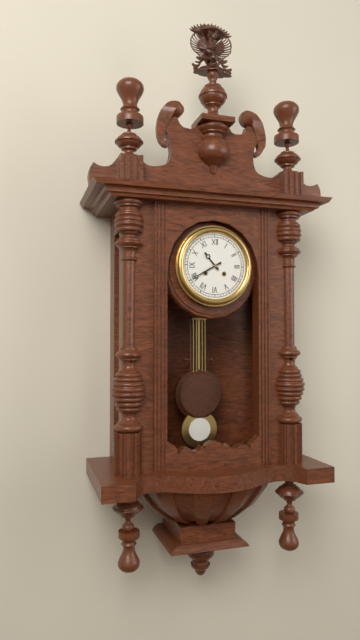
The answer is 10:40
